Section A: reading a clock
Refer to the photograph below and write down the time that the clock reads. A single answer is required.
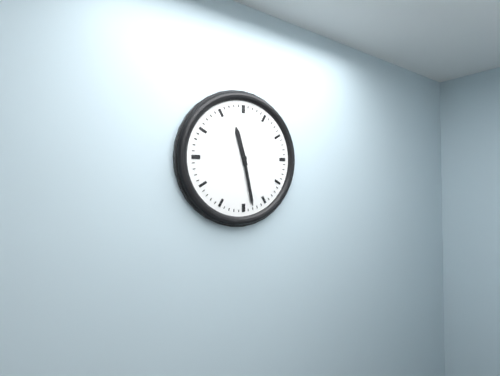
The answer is 11:28
